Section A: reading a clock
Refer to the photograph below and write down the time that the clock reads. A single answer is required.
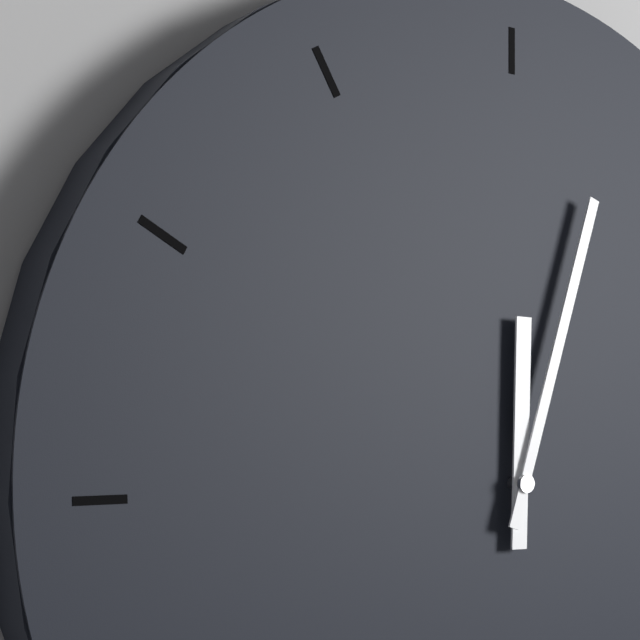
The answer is 12:03
